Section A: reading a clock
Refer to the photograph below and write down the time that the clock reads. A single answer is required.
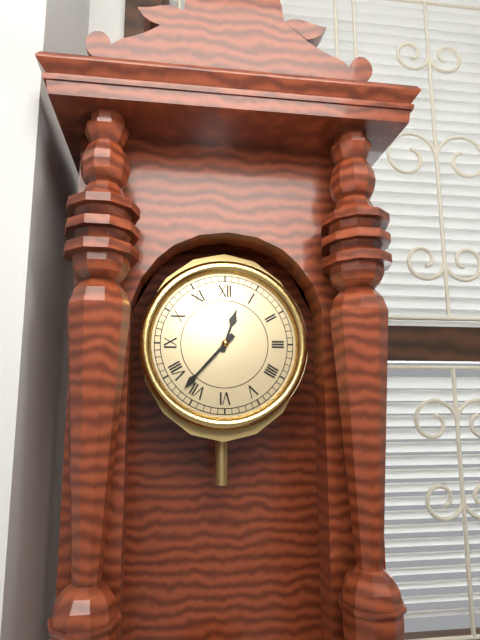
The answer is 12:37
